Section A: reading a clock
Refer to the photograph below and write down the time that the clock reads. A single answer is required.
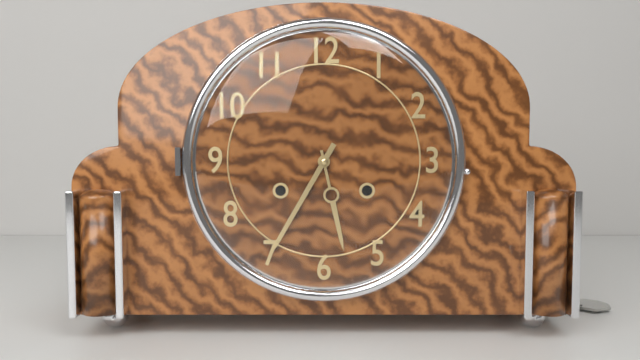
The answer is 5:35
